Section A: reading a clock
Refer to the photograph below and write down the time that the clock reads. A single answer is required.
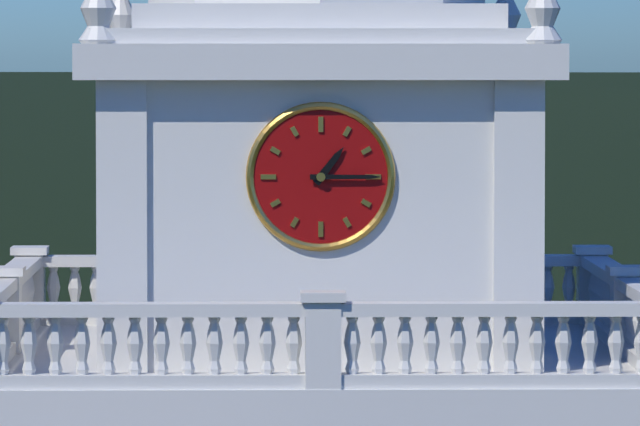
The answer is 1:15
